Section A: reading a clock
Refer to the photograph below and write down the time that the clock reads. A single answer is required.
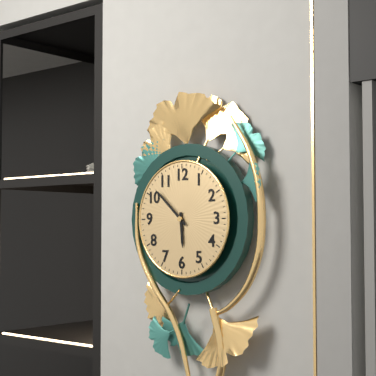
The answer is 5:52
